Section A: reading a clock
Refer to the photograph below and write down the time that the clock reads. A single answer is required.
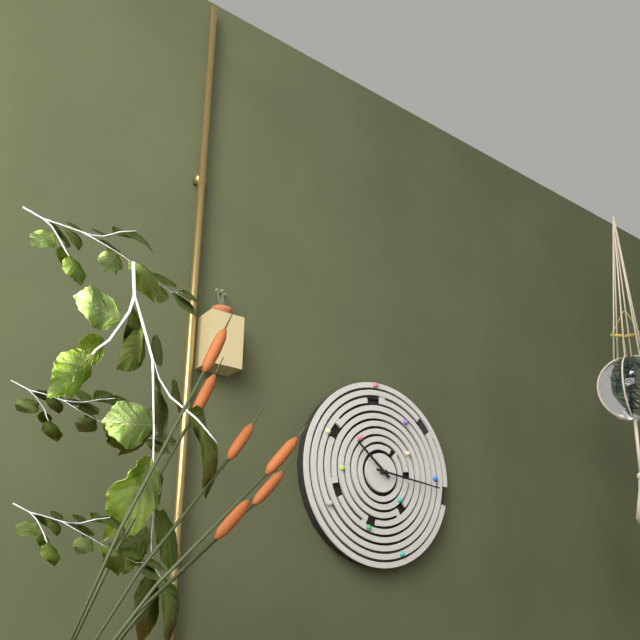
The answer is 10:16
